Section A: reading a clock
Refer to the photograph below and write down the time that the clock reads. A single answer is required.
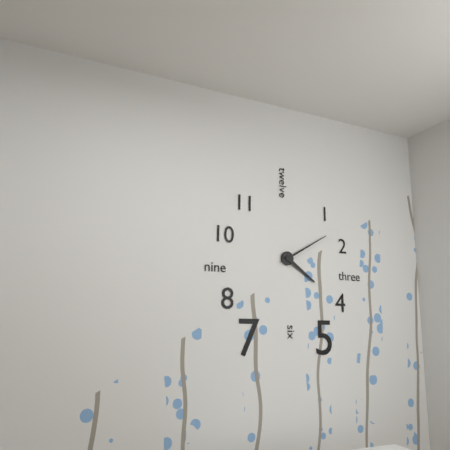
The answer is 4:10
